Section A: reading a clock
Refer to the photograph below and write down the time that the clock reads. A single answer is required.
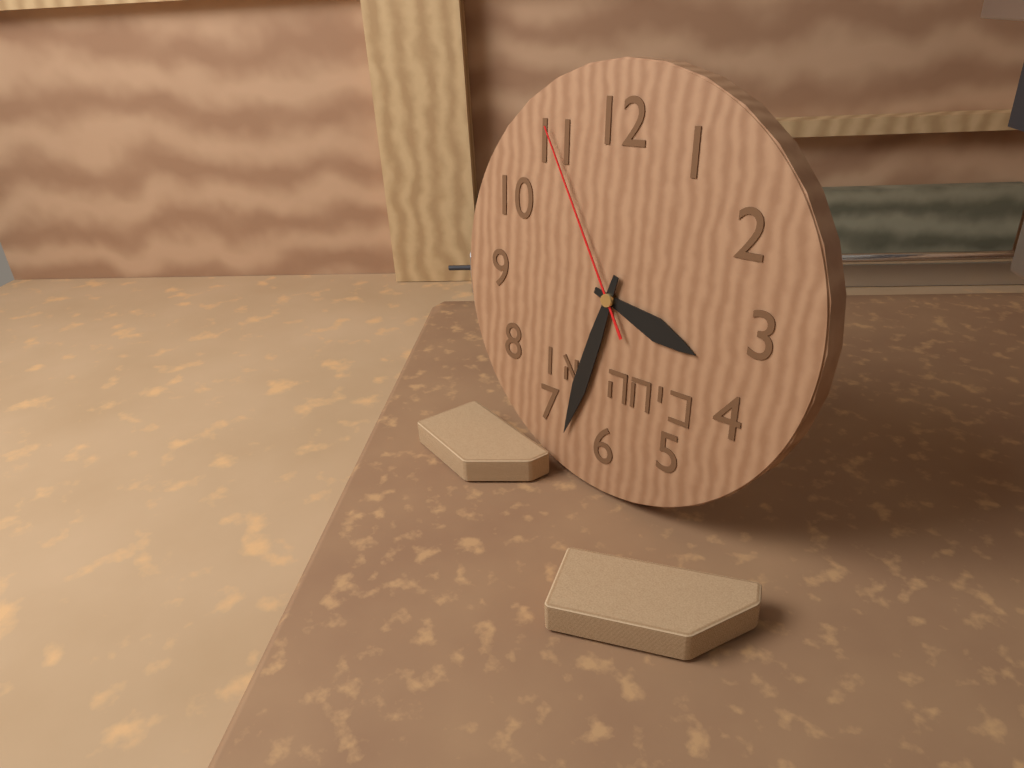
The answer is 3:33:55
